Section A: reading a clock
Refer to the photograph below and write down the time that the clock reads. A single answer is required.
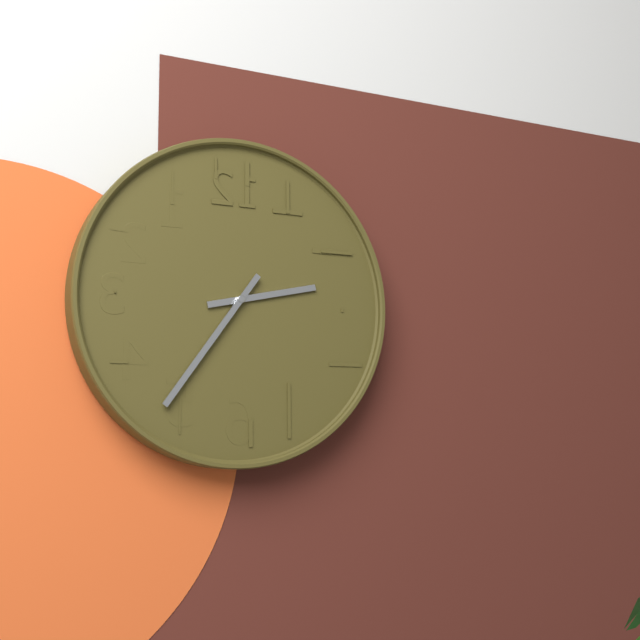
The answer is 2:36
